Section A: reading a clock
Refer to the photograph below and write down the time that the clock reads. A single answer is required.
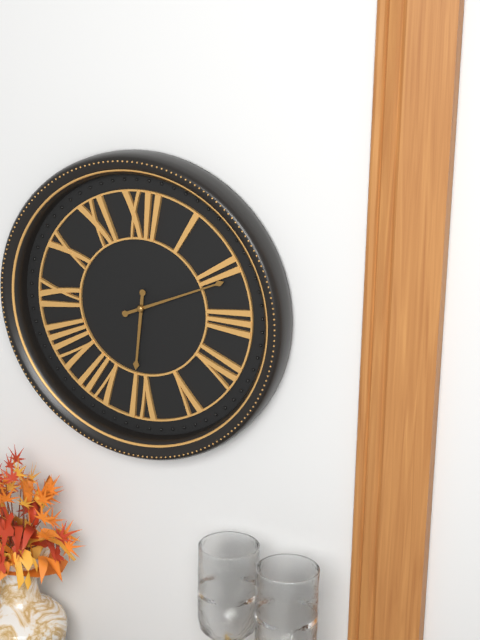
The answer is 6:11
